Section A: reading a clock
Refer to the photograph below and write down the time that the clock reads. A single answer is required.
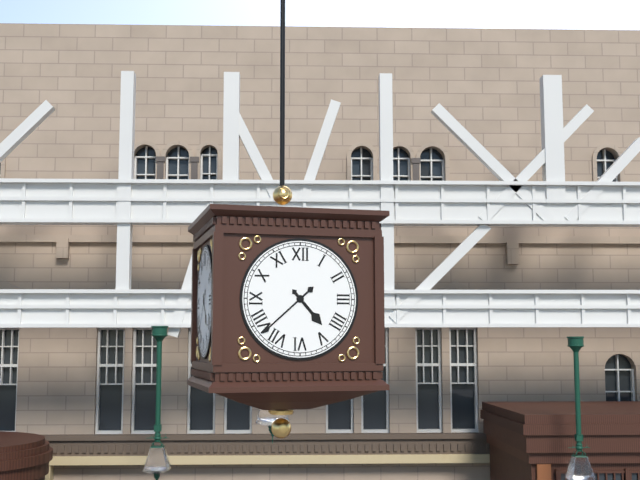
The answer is 4:38
